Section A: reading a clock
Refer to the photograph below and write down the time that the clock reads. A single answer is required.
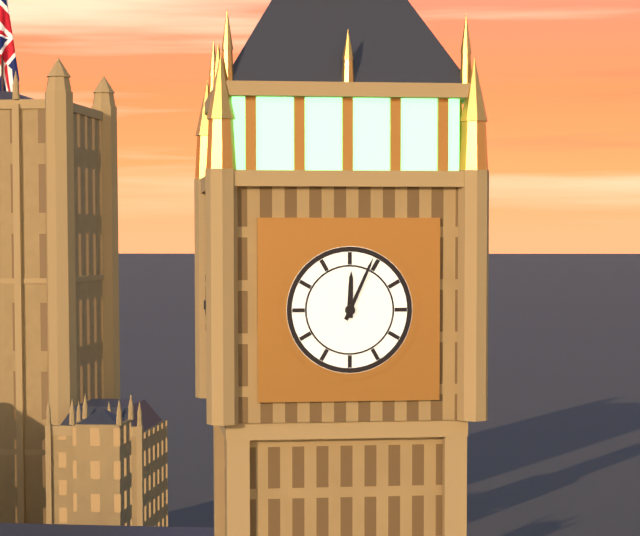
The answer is 12:04
